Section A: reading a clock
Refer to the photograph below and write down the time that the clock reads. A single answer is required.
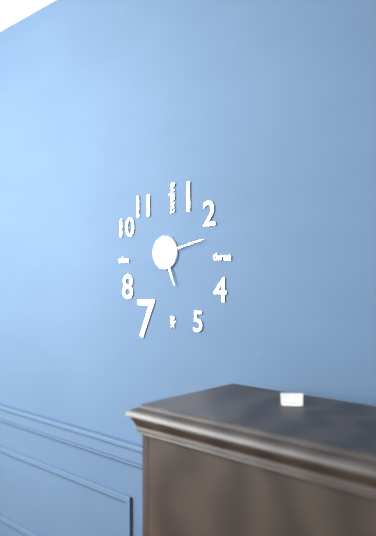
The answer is 5:13
